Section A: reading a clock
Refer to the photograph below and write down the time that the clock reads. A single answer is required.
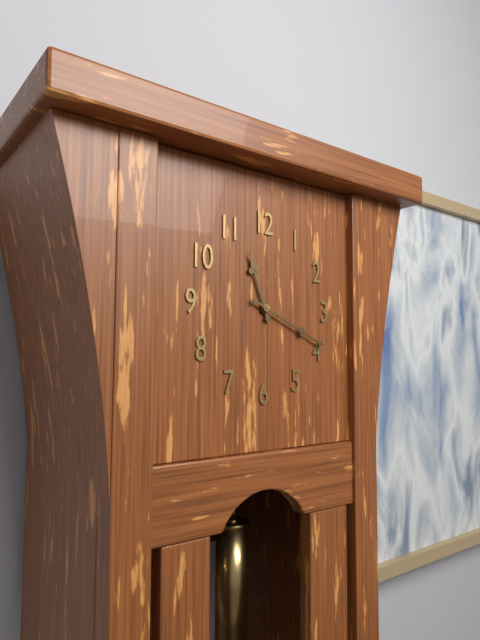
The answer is 11:19
